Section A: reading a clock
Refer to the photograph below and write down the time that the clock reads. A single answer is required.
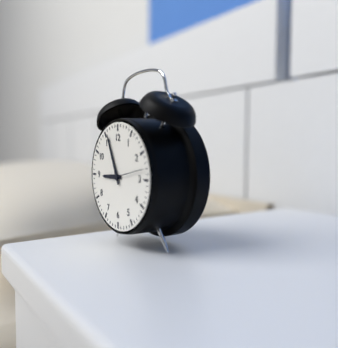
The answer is 8:56
